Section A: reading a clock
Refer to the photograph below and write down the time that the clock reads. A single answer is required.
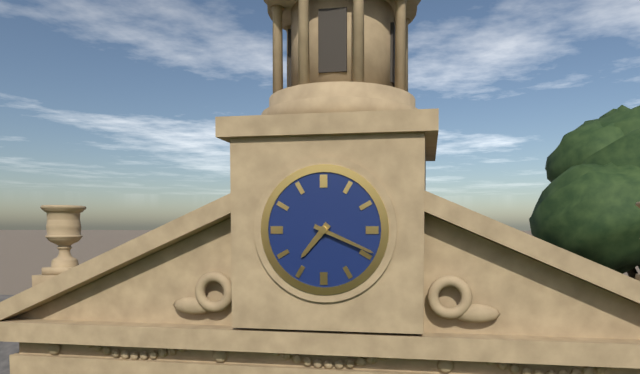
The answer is 7:19
